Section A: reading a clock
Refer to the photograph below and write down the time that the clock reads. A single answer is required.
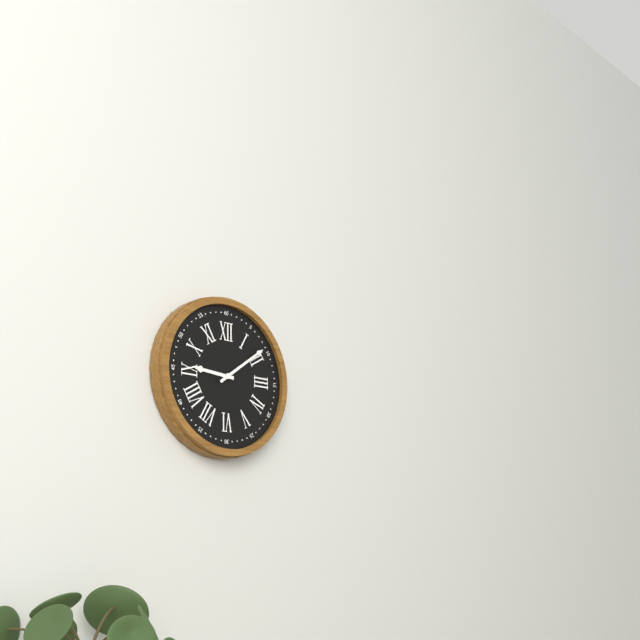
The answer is 9:09
